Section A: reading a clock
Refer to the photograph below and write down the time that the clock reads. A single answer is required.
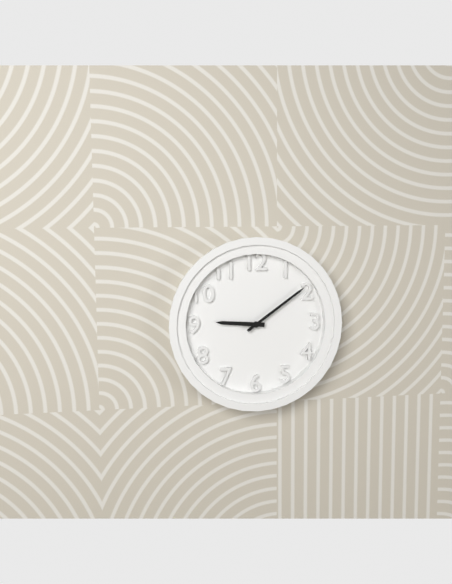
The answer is 9:09
